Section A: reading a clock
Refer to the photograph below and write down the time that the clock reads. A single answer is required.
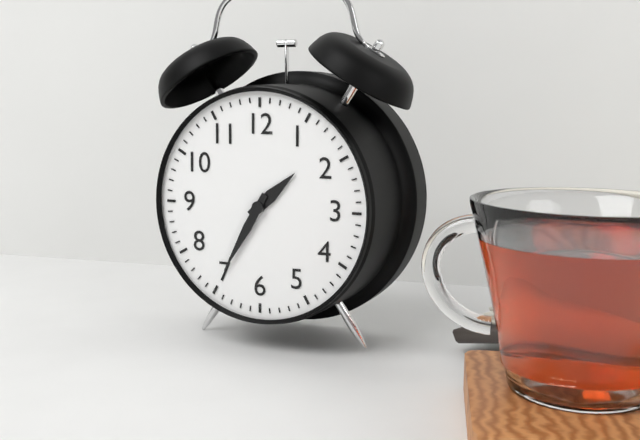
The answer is 1:35
